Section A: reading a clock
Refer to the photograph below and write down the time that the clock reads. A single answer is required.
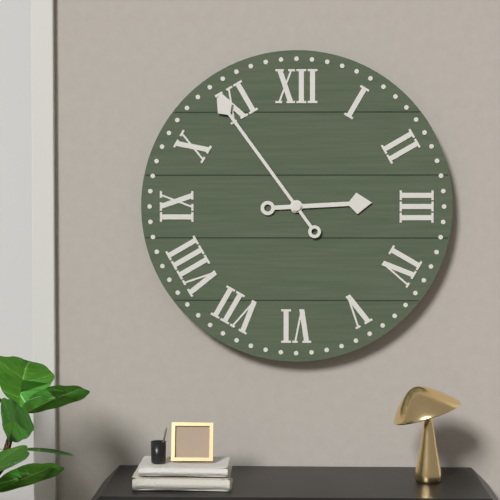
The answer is 2:54
